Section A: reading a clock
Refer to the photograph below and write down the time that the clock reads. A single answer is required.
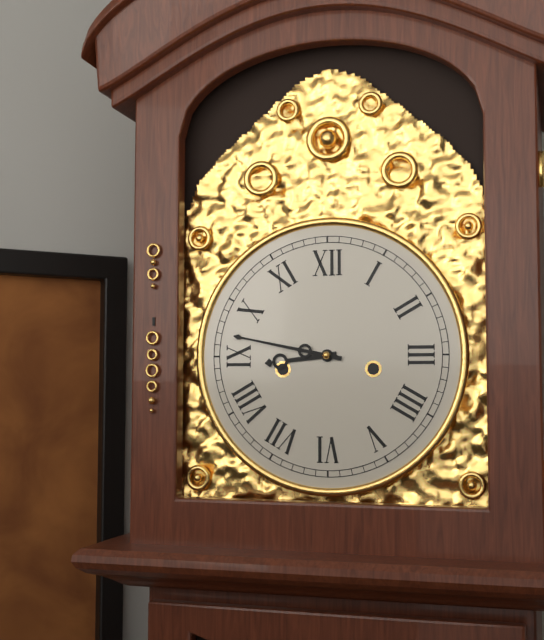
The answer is 8:47
